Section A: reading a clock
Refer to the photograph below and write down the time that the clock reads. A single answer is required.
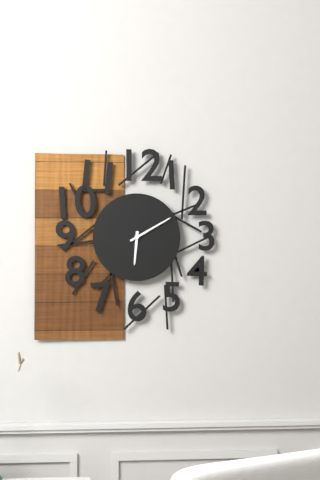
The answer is 6:10
